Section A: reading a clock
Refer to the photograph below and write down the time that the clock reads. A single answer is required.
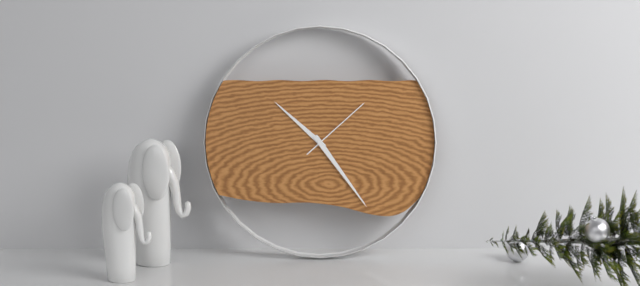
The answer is 10:24:08
